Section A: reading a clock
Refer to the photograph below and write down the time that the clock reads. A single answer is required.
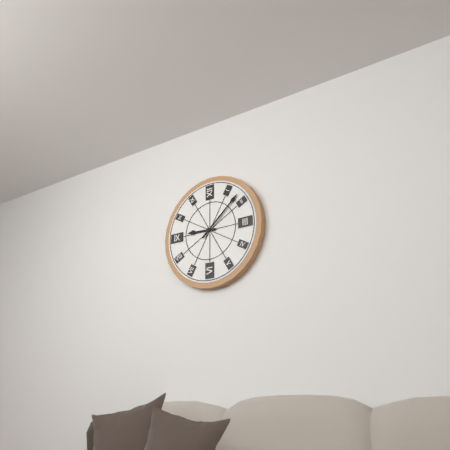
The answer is 9:08
